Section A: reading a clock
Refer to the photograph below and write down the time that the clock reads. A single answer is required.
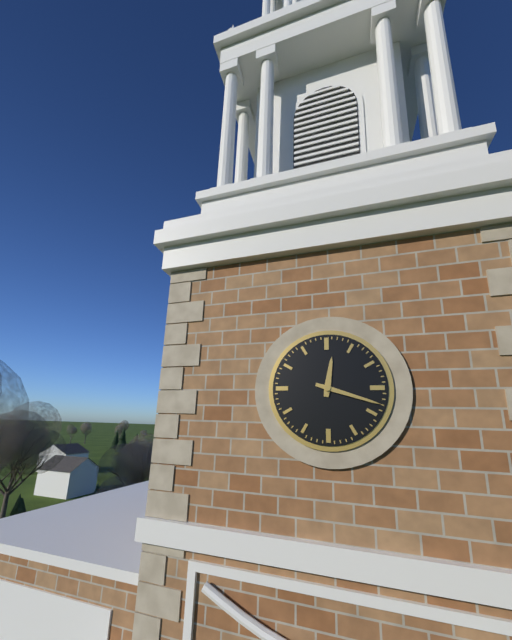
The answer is 12:18
